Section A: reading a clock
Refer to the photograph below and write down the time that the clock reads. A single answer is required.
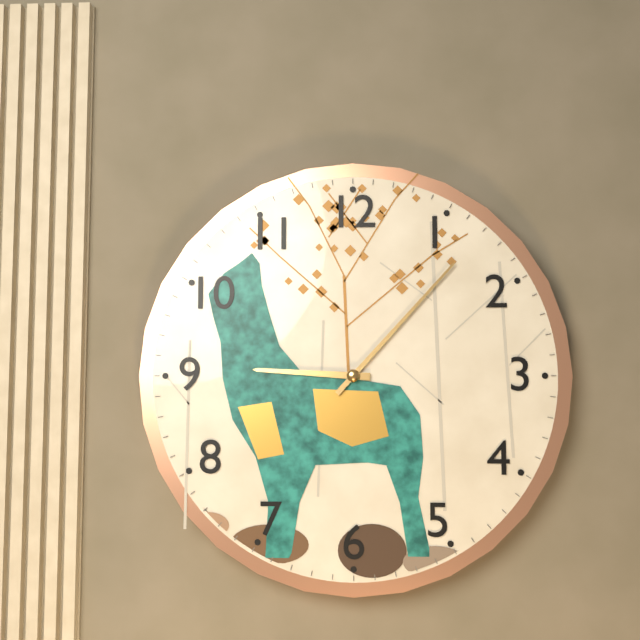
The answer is 9:07
